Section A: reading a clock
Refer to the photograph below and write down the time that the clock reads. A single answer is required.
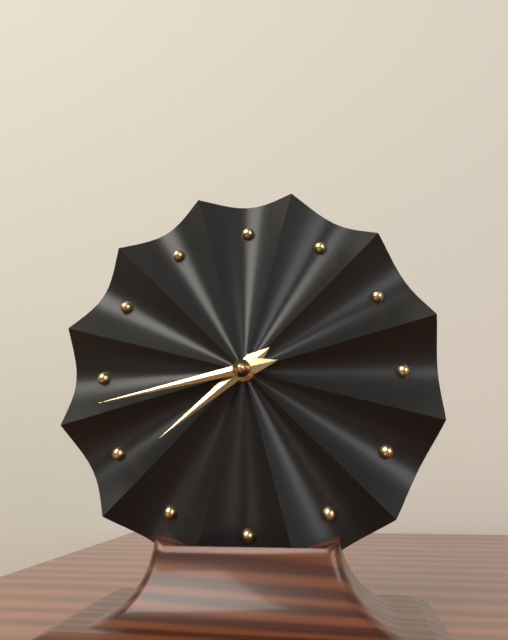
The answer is 7:43
